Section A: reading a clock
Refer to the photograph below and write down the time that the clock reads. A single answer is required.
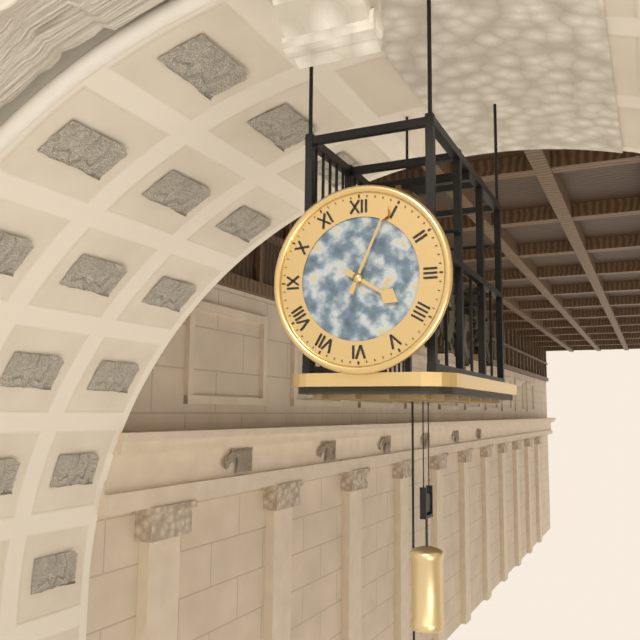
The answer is 4:04
